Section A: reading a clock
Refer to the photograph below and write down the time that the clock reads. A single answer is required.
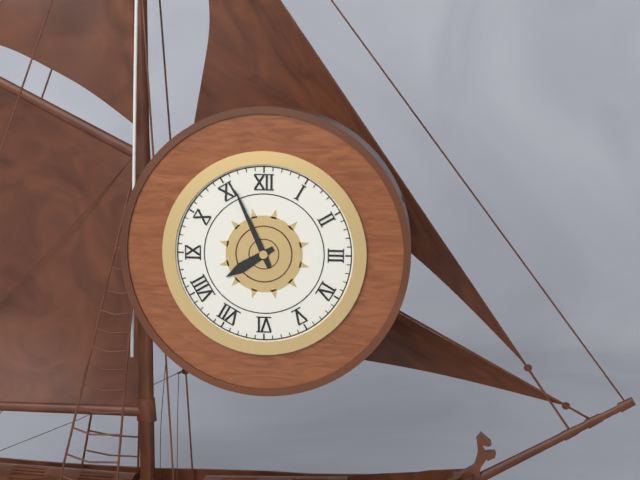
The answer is 7:56
